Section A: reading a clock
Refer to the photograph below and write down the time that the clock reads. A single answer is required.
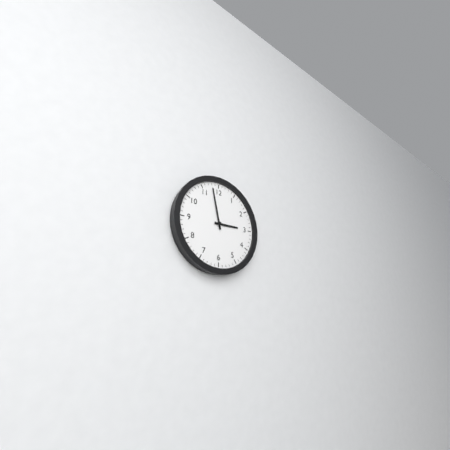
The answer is 2:58
